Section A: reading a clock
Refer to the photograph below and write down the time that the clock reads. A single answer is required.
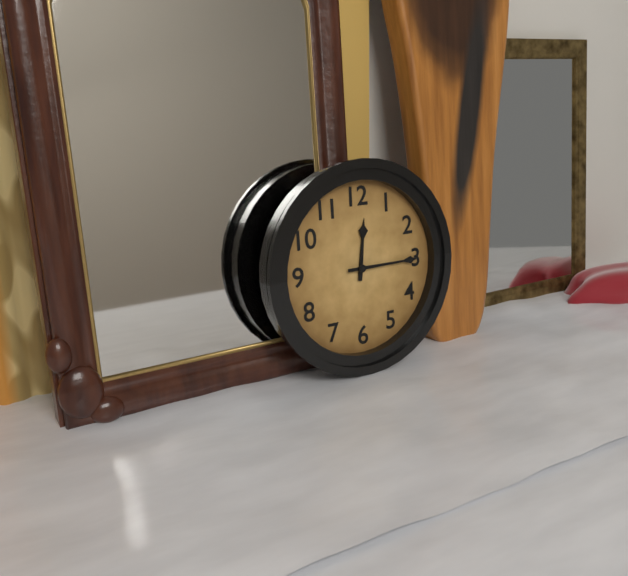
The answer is 12:15
